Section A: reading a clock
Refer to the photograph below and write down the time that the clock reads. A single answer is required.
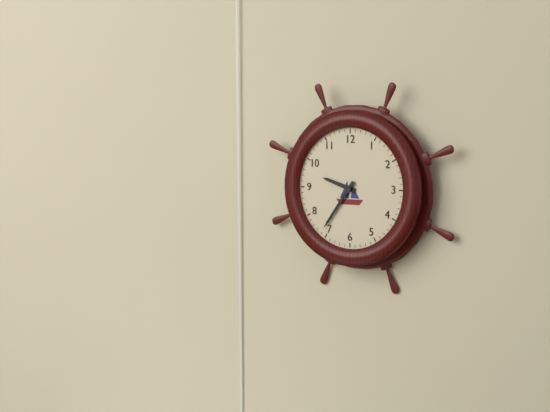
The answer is 9:36
